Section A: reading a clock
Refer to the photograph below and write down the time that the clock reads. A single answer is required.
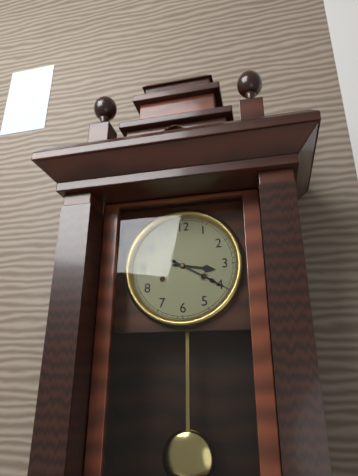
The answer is 3:20
